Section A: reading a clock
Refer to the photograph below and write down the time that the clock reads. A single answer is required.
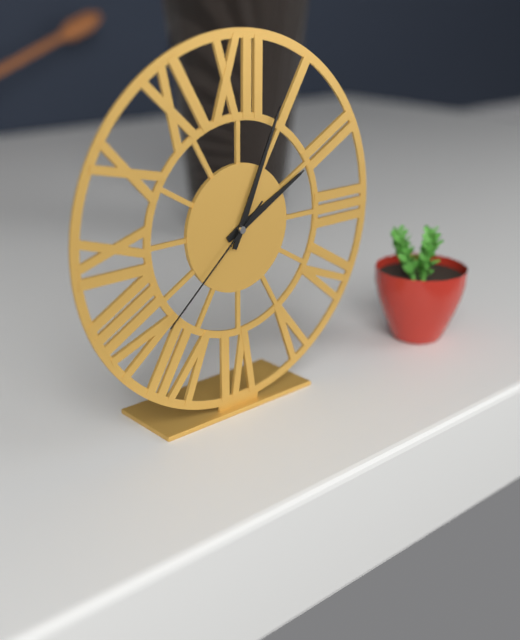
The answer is 2:04:38
